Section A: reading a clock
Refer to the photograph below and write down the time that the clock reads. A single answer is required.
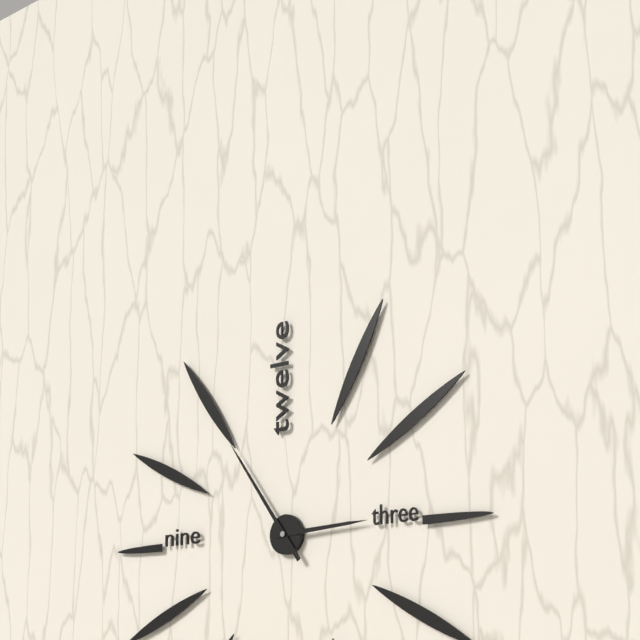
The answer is 2:54
